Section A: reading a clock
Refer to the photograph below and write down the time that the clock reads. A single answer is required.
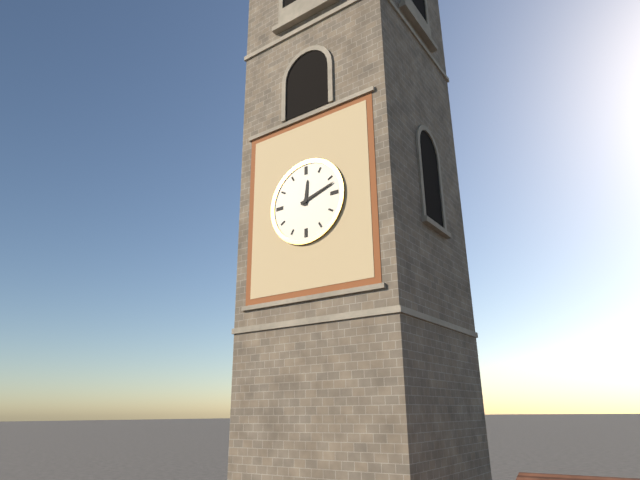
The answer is 12:12
